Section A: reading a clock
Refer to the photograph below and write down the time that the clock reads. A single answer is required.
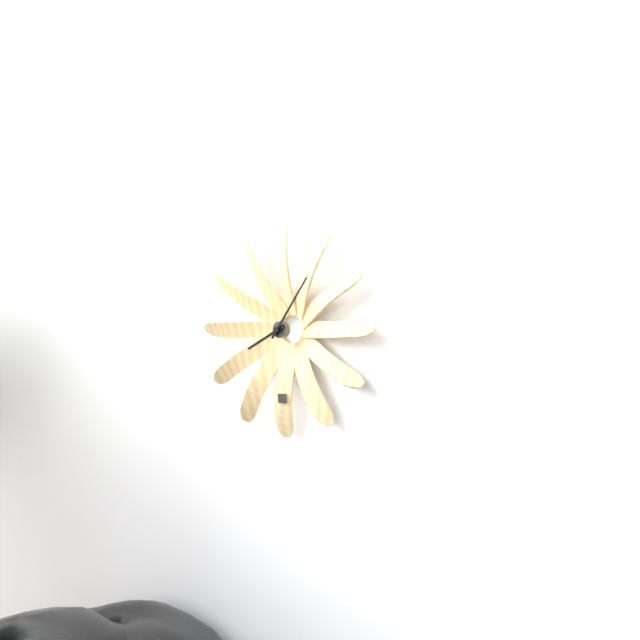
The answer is 8:06
